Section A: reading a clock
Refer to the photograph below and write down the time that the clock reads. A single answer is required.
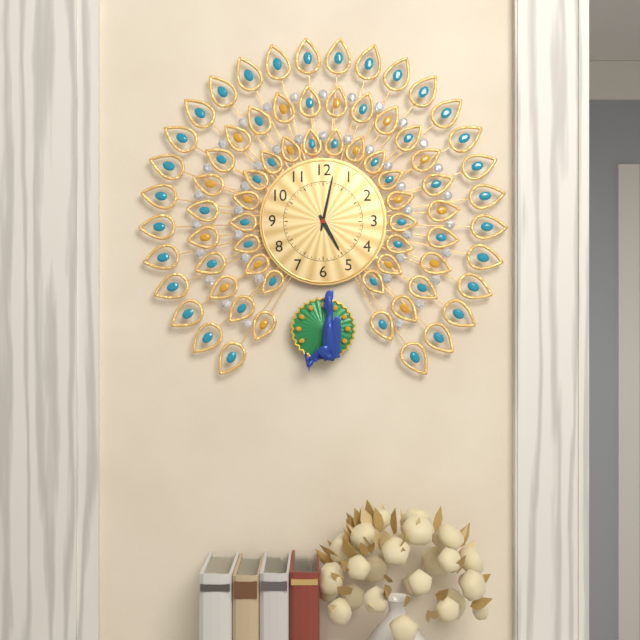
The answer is 5:02
